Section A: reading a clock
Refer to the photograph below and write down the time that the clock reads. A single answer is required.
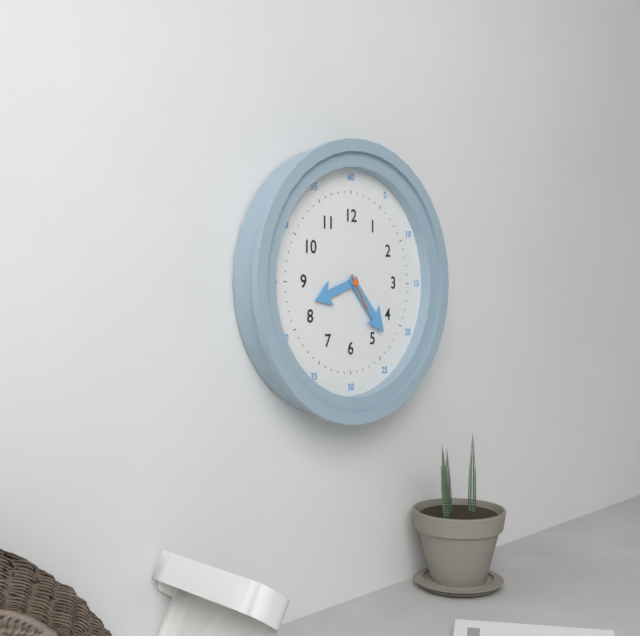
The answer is 8:23:24
